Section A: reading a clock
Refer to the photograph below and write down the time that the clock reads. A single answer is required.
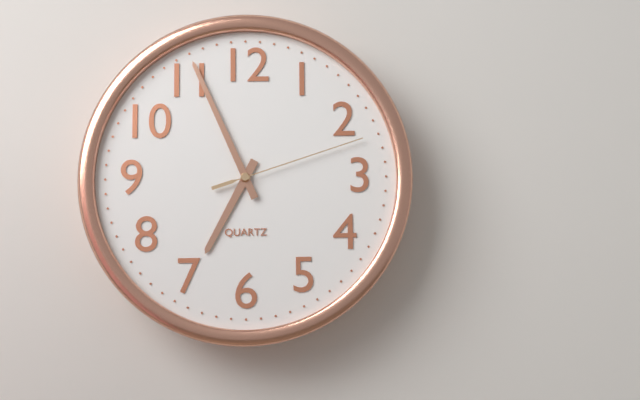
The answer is 6:56:12
